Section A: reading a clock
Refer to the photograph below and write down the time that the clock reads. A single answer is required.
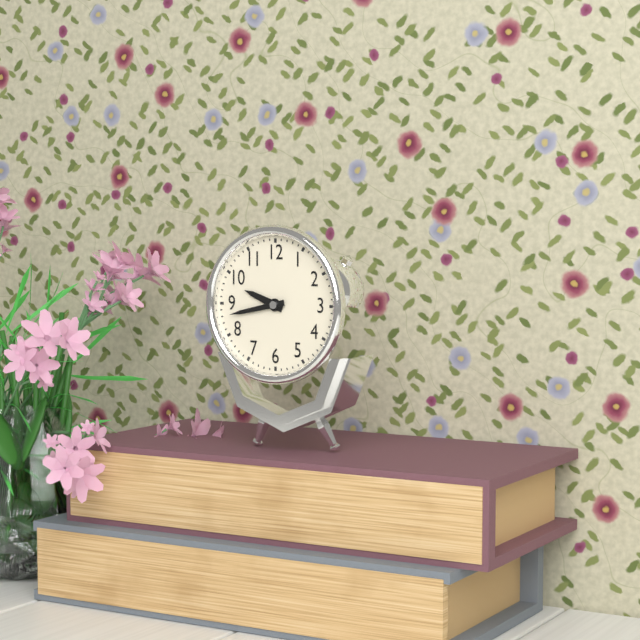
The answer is 9:43
